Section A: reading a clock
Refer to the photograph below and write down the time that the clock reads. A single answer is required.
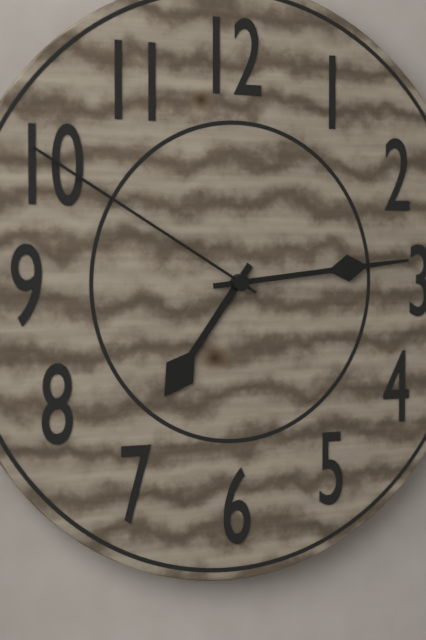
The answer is 7:14:50
